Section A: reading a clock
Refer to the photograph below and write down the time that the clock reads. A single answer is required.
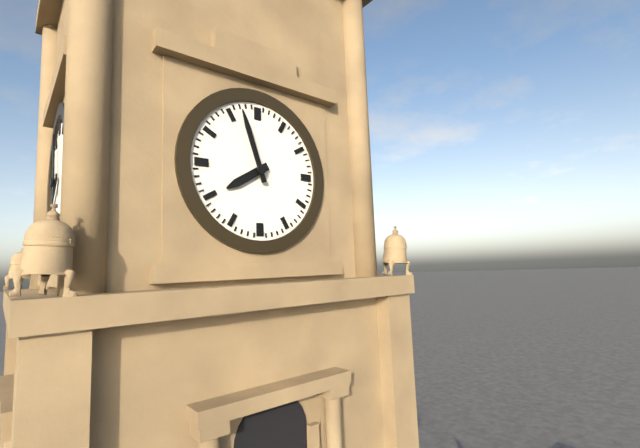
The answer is 7:57
